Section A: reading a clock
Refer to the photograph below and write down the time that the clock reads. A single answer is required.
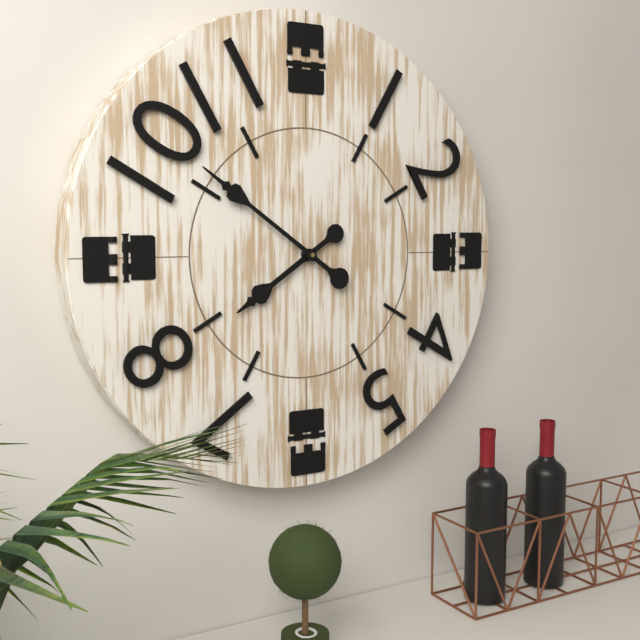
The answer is 7:51
